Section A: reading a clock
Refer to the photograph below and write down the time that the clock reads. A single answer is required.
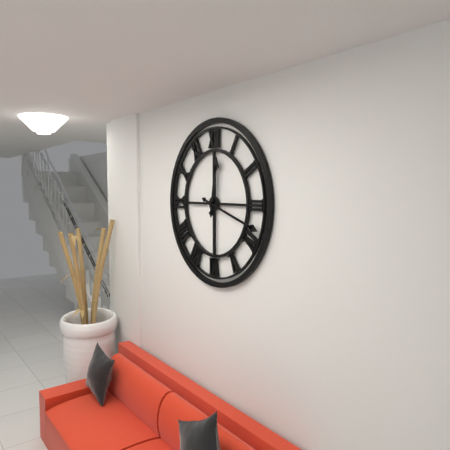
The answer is 12:18
